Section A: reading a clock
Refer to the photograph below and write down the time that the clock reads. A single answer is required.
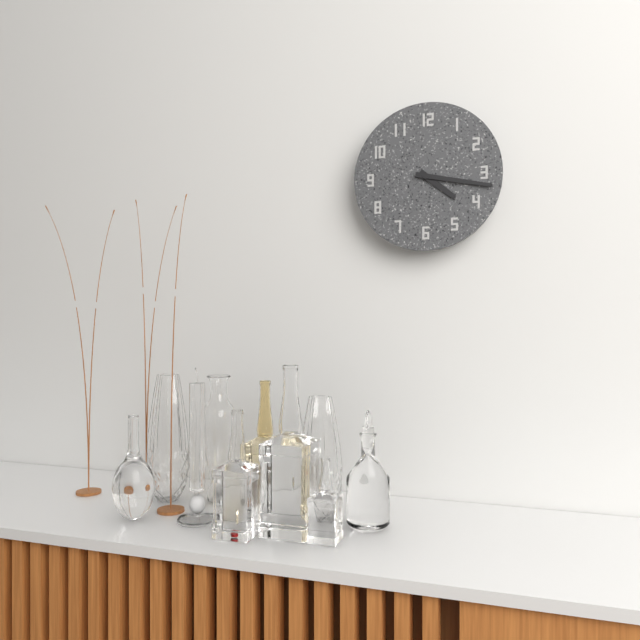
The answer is 4:17
